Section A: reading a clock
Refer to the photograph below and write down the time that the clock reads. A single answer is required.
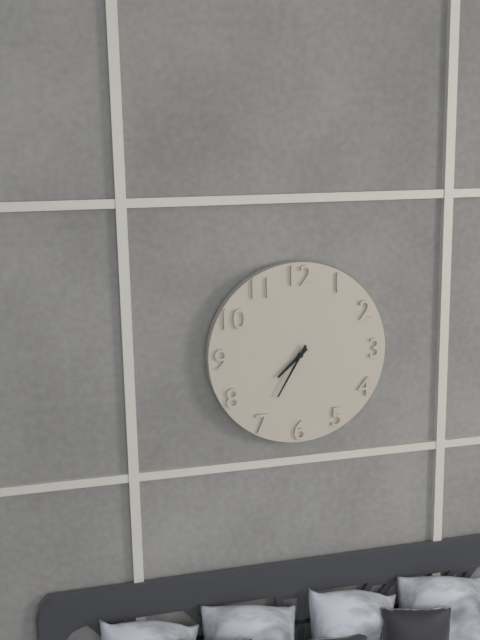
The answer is 7:35
